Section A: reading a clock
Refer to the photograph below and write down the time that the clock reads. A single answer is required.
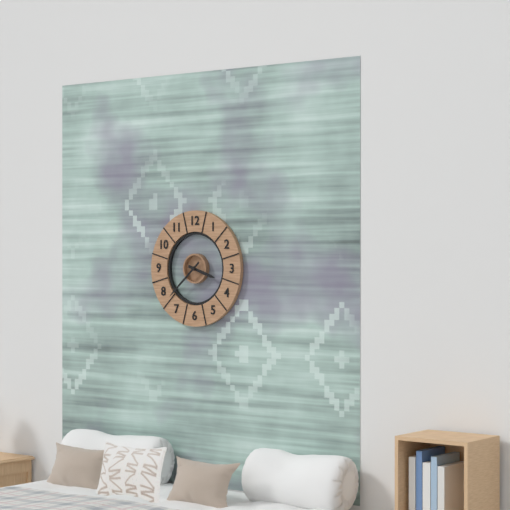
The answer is 3:38
